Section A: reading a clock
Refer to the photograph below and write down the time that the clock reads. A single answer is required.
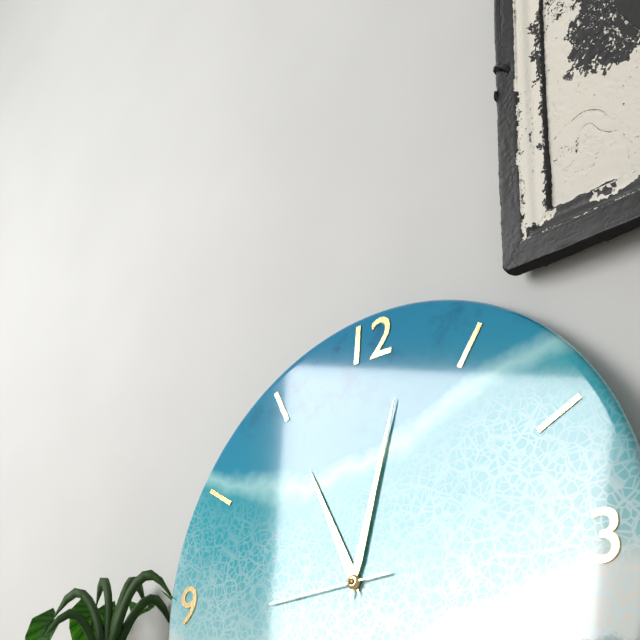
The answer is 11:02:44
